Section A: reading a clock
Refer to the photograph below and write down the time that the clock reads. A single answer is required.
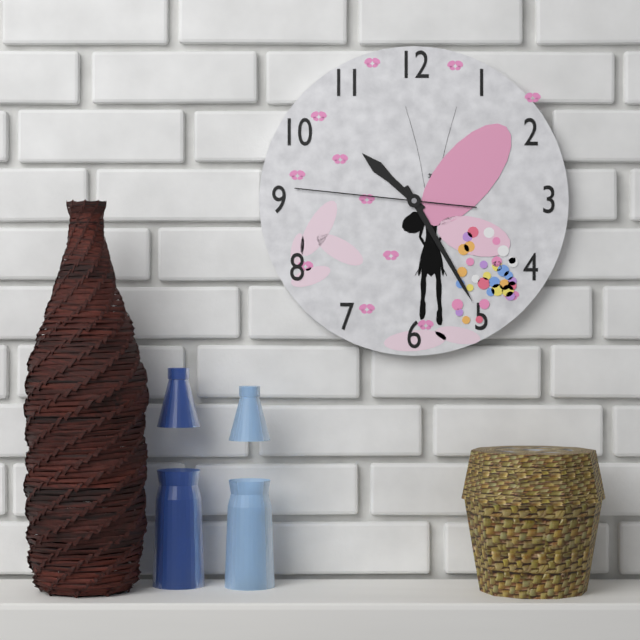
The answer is 10:25:46
